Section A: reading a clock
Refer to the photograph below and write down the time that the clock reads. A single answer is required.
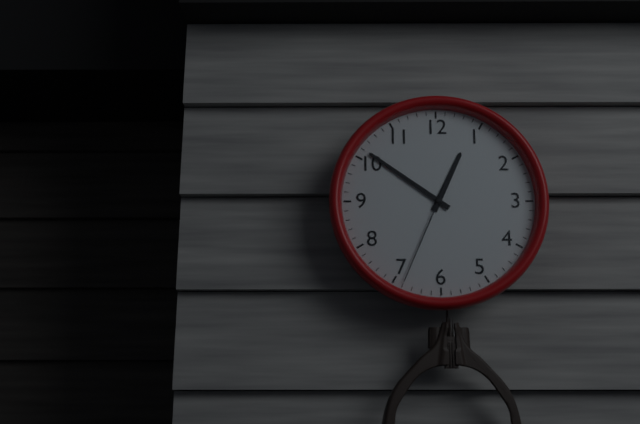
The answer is 12:51:34
